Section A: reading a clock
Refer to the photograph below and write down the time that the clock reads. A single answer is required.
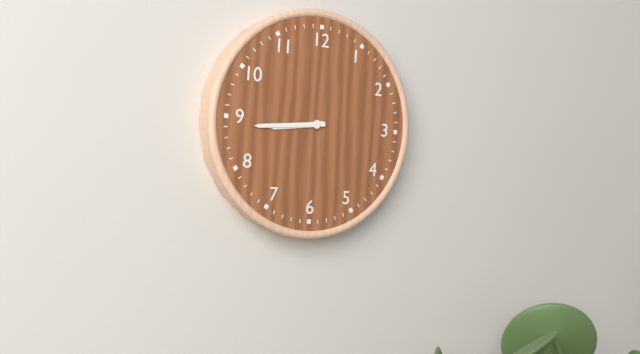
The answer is 8:44
